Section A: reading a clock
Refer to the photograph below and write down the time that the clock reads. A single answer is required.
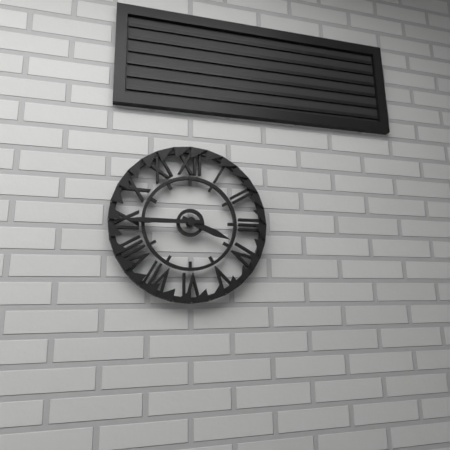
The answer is 3:45
